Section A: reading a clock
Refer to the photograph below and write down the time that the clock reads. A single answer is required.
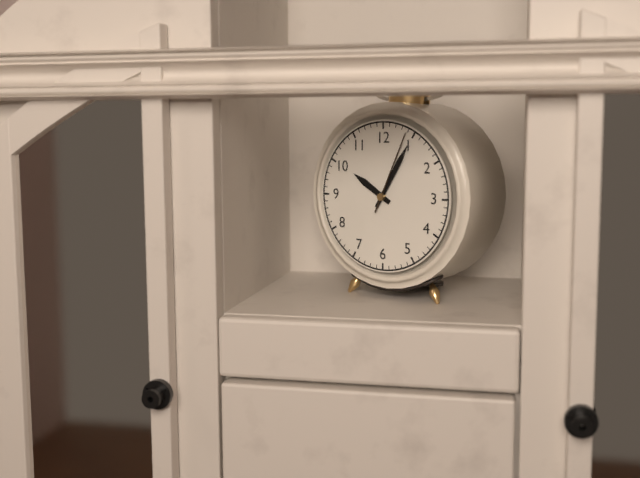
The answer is 10:05:04
